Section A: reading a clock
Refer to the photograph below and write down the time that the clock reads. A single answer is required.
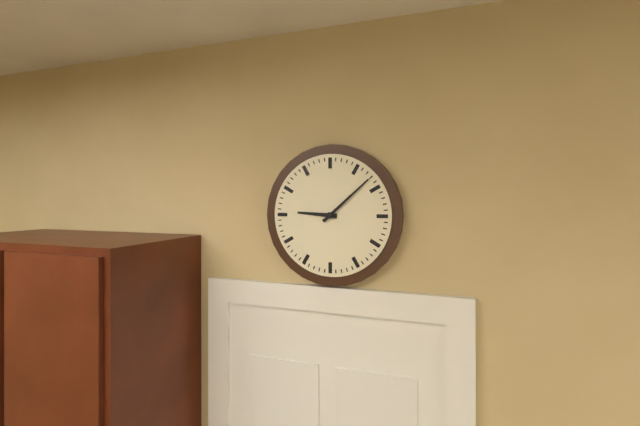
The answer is 9:08
